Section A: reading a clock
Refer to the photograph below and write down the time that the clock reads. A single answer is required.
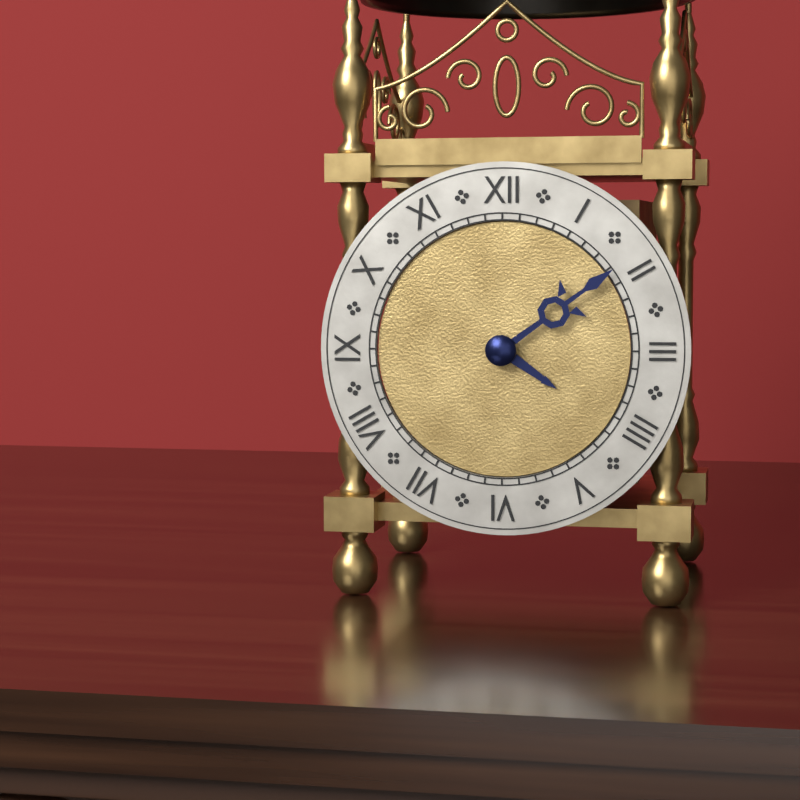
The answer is 4:09
